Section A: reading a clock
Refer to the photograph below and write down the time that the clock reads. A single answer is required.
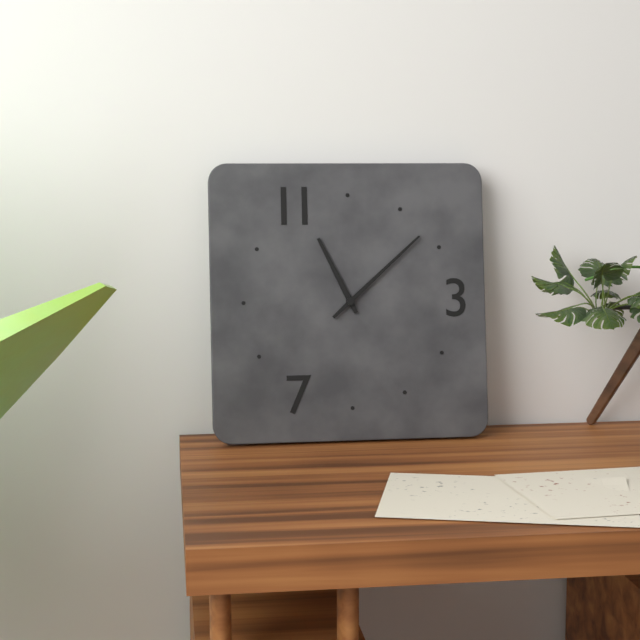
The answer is 11:08
